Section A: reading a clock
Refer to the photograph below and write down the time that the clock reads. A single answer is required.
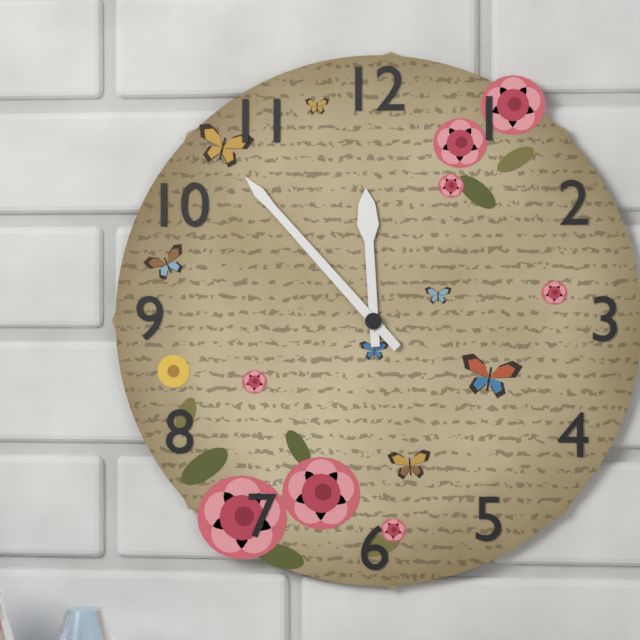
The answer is 11:53
